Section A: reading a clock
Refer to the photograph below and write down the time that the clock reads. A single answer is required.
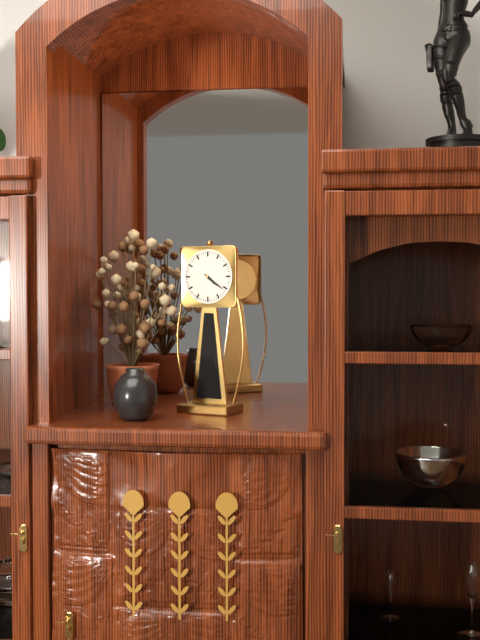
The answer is 4:21
